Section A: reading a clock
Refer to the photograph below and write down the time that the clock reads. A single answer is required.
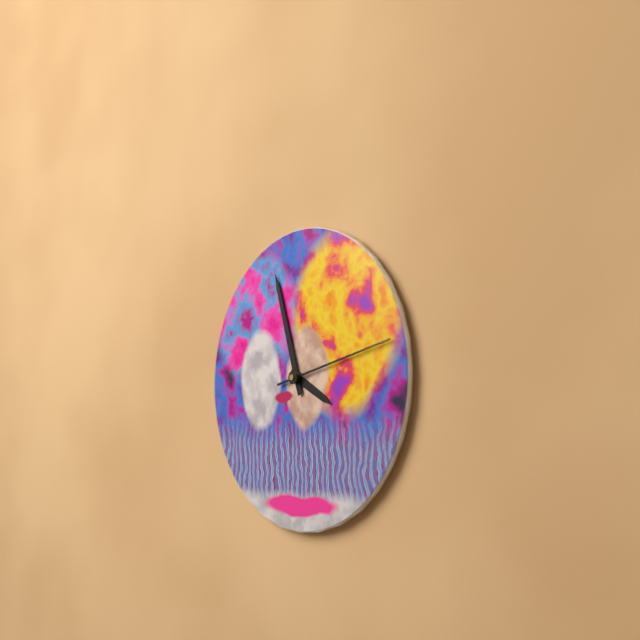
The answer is 3:57:13
